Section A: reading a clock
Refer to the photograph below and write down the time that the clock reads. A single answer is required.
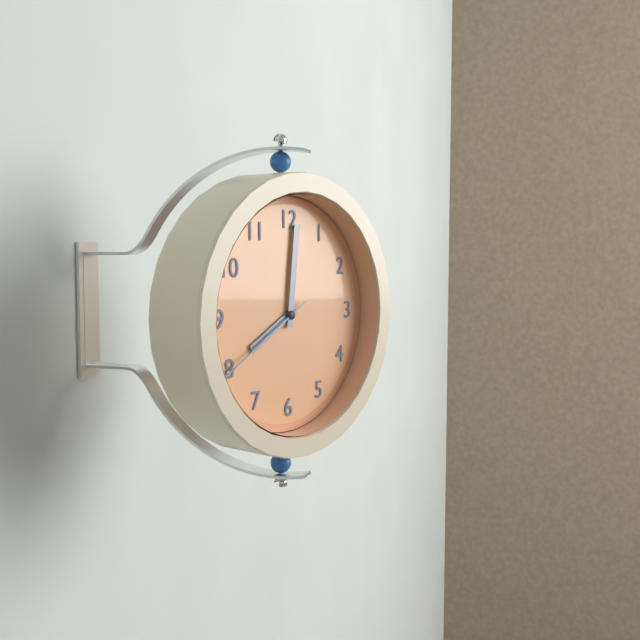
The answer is 8:01:40
